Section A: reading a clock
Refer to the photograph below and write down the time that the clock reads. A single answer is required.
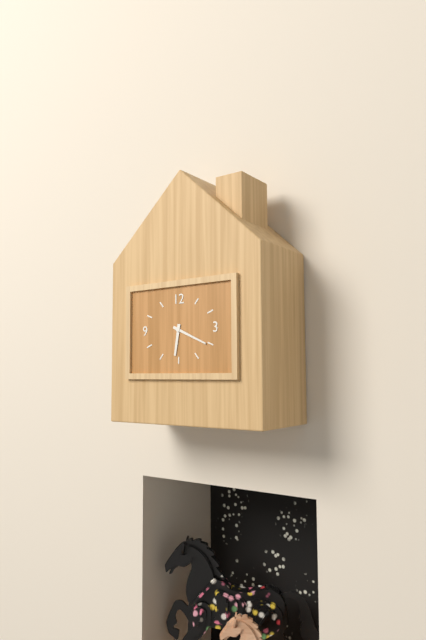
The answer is 6:19
